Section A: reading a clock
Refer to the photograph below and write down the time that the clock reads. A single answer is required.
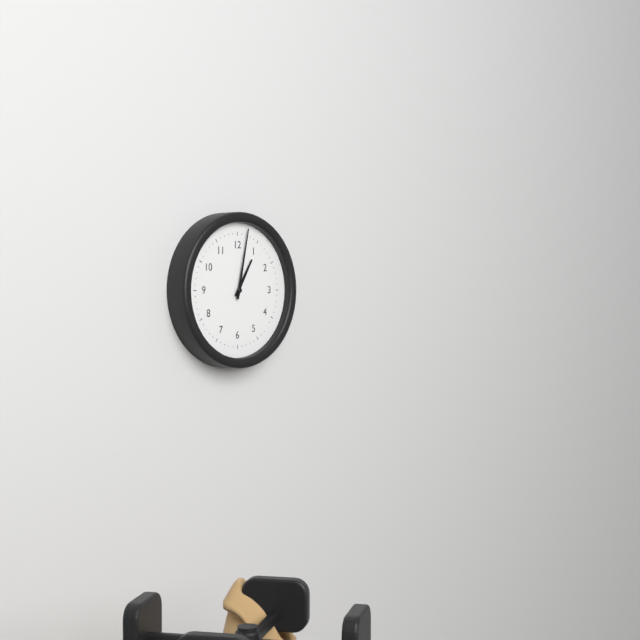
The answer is 1:02
